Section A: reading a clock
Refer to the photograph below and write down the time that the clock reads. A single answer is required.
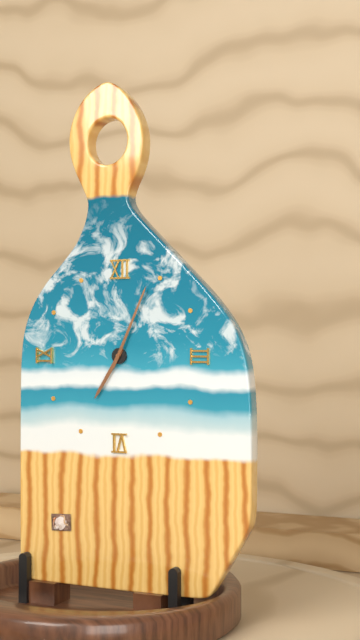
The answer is 7:04
